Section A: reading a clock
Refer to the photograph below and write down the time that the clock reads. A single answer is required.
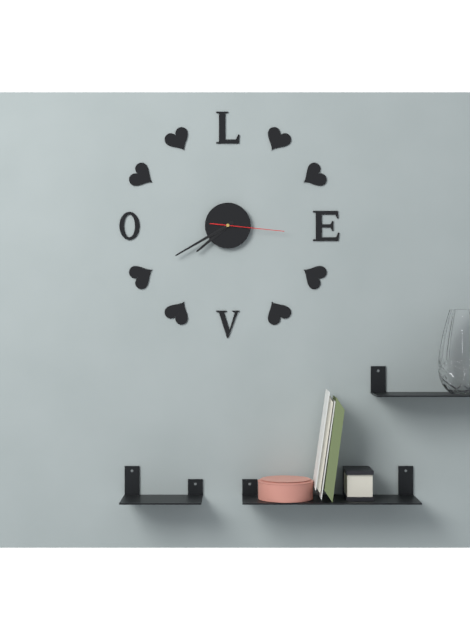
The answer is 7:40:16
